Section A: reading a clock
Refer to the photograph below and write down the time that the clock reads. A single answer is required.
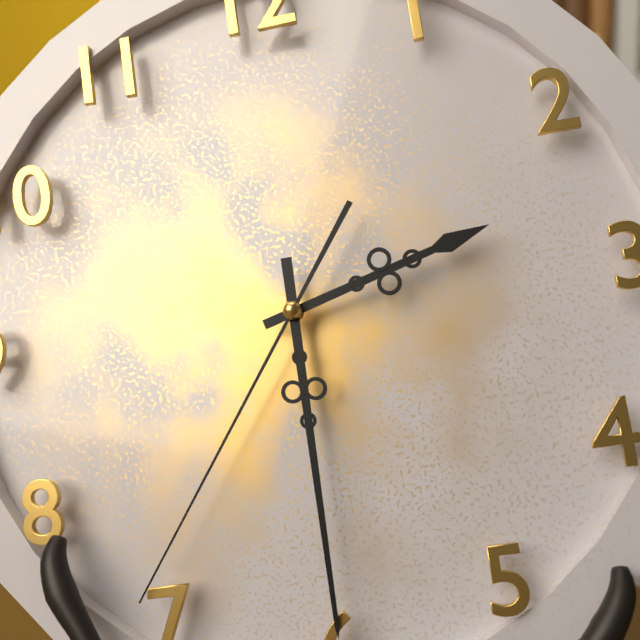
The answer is 2:30:36
